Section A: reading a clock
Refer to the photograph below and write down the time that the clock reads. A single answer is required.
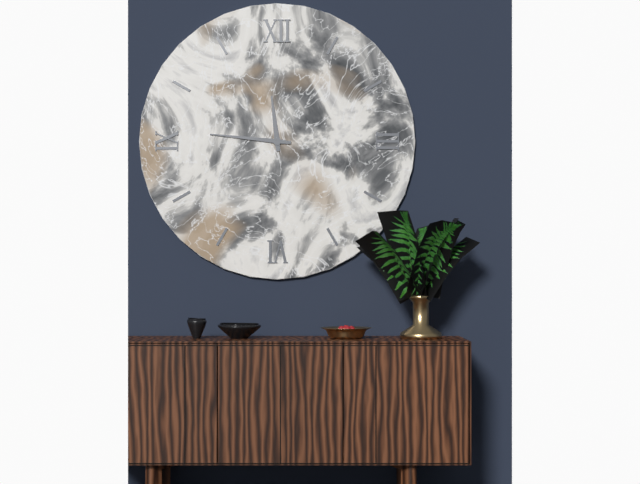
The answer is 11:46
